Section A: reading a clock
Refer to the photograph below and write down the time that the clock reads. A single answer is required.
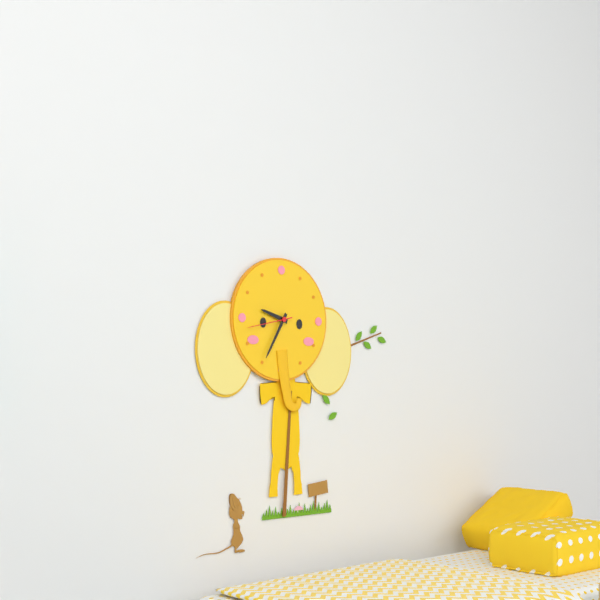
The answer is 9:35
